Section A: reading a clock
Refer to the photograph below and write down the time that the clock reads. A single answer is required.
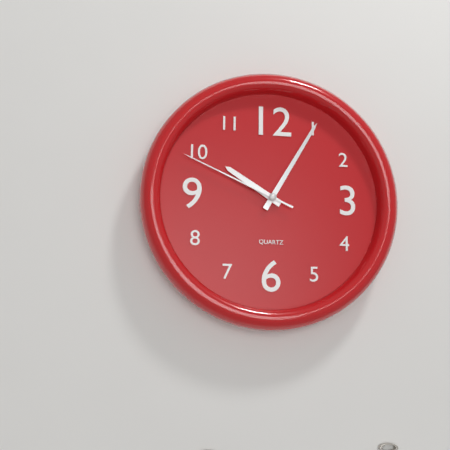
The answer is 10:05:49
